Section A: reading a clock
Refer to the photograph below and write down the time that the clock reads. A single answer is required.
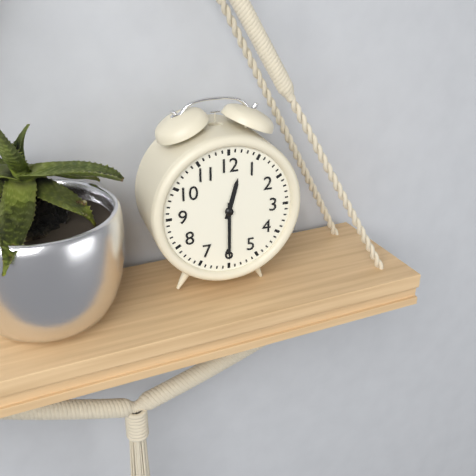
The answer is 12:30
